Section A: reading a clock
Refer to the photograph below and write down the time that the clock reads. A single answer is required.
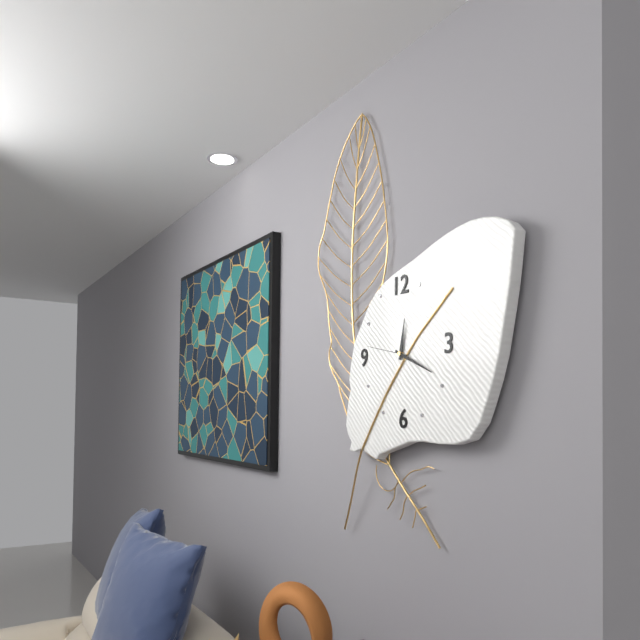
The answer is 12:19
